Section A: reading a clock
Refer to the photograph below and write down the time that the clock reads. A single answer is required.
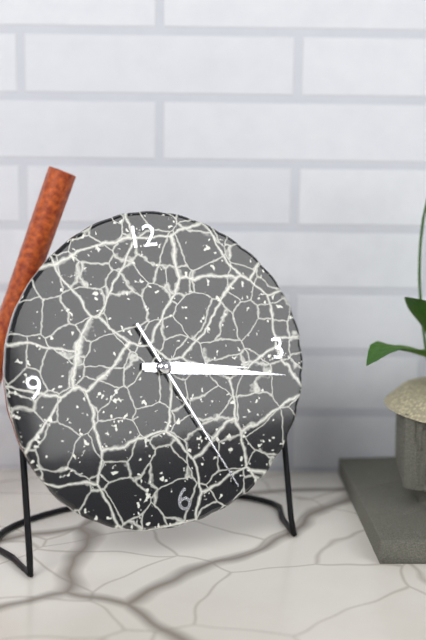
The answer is 3:17:26
